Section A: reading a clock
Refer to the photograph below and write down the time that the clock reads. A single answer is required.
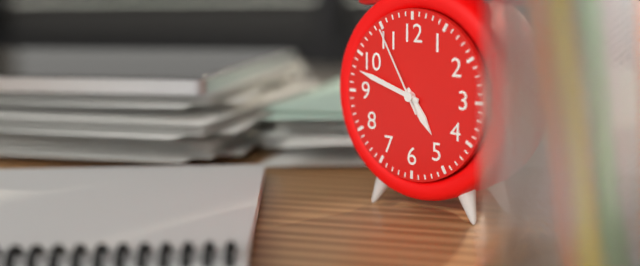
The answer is 4:48:55
